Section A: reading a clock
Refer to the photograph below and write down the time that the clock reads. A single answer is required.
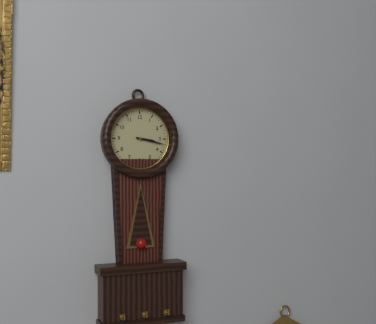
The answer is 3:17
